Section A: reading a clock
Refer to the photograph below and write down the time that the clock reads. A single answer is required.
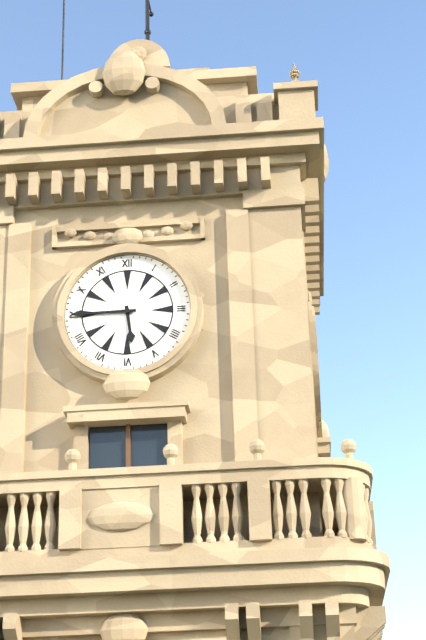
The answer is 5:45
